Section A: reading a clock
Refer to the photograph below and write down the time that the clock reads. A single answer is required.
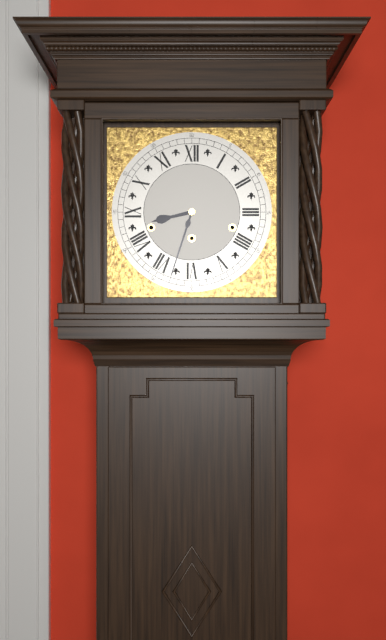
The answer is 8:33
